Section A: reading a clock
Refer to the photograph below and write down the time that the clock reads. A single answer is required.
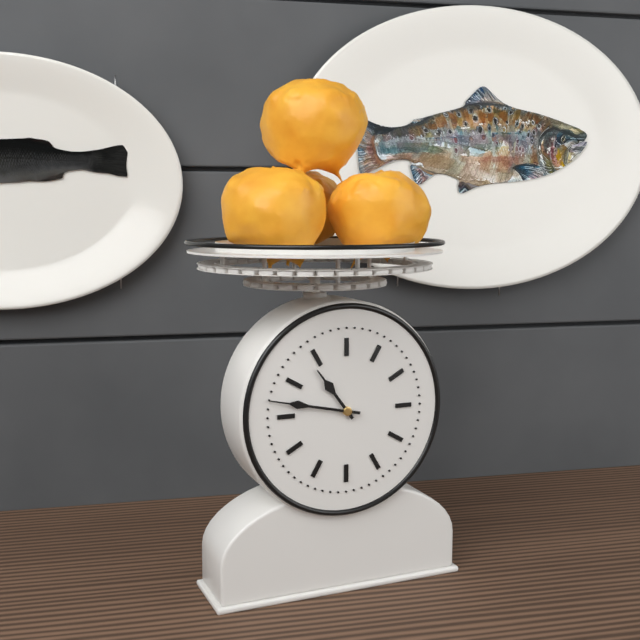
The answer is 10:47
